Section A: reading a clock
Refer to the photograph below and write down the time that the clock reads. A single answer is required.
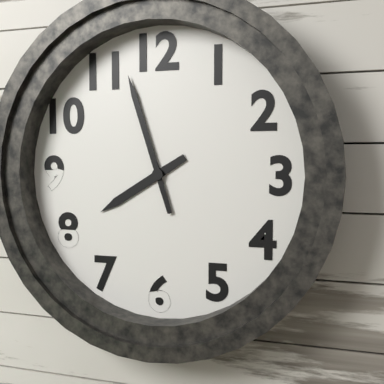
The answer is 7:57
